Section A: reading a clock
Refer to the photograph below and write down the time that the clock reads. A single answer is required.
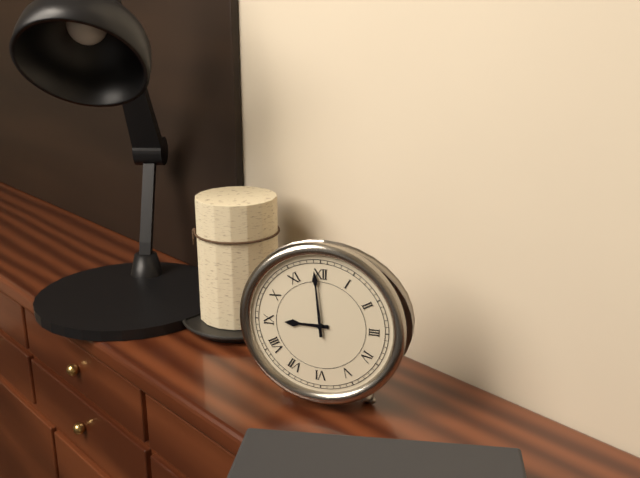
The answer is 8:59
